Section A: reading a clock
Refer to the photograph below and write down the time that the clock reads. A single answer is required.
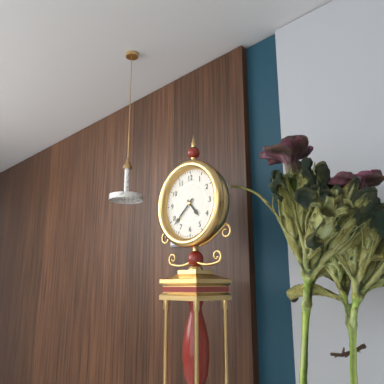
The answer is 4:38
